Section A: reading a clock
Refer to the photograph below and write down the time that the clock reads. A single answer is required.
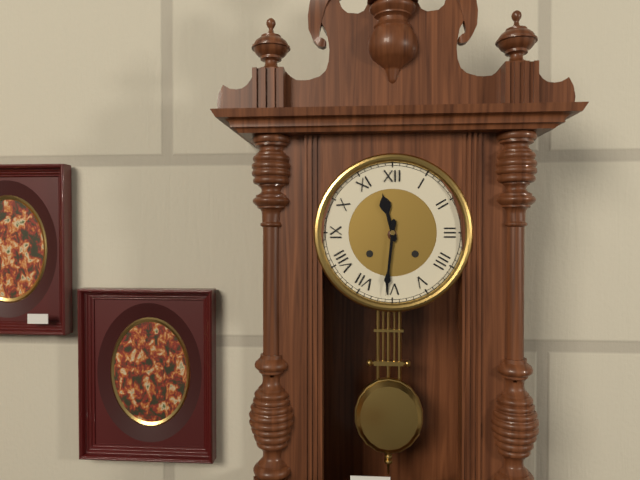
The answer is 11:31
